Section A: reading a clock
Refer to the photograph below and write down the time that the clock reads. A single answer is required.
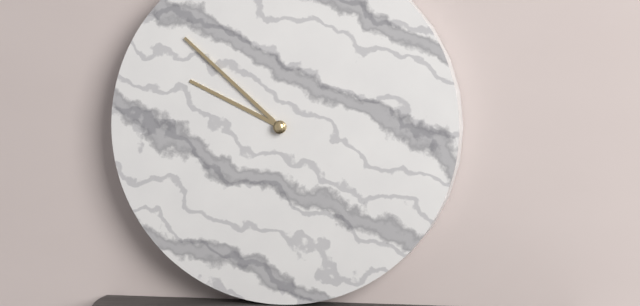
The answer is 9:52
